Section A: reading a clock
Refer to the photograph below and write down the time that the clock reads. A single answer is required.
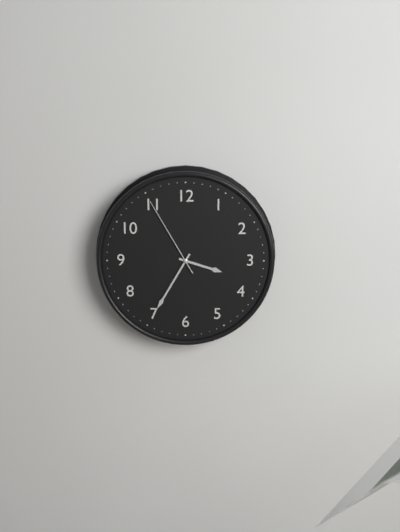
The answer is 3:35:55
